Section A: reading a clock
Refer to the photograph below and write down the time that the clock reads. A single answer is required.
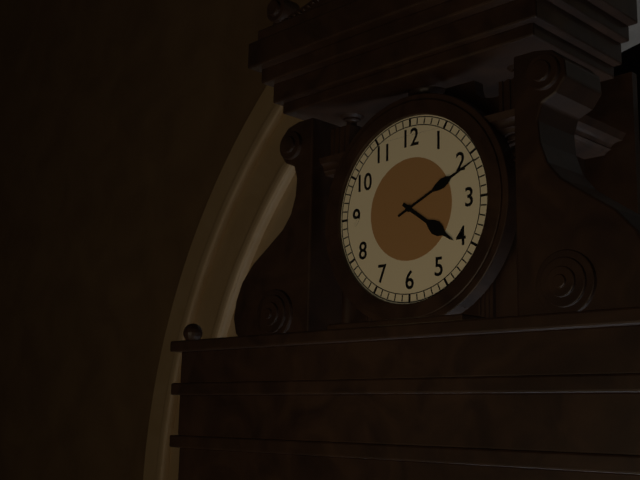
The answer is 4:11
